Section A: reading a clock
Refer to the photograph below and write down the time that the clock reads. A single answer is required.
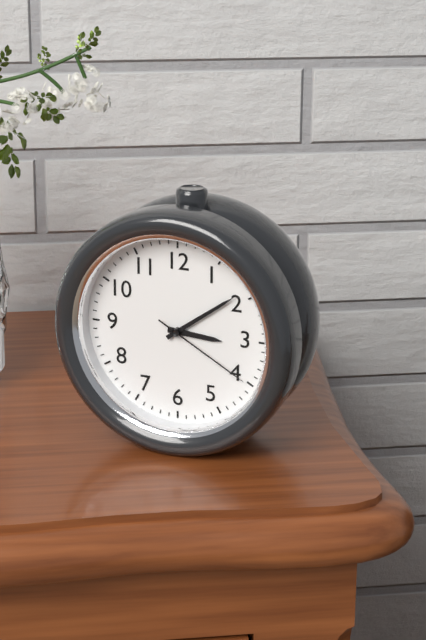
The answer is 3:09:20
